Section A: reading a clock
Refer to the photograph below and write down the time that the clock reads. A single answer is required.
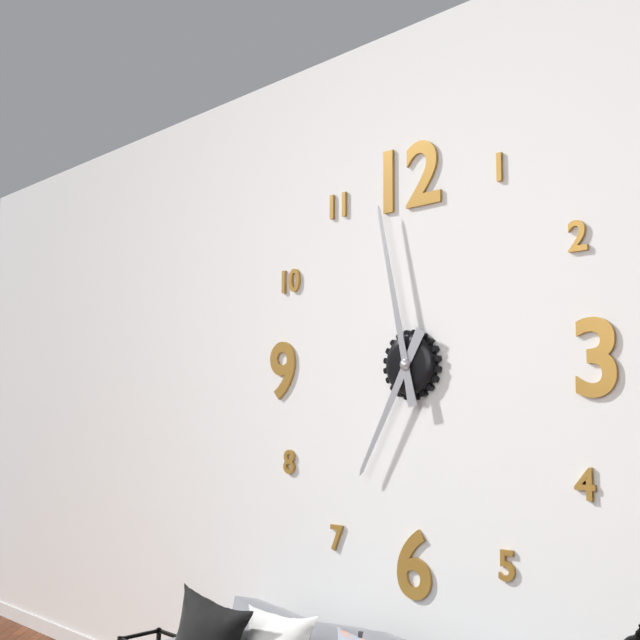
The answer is 6:58
